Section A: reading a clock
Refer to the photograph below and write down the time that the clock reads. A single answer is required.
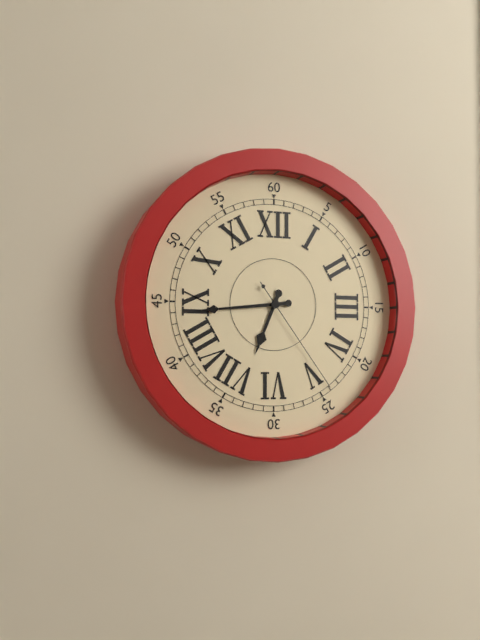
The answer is 6:44:24
